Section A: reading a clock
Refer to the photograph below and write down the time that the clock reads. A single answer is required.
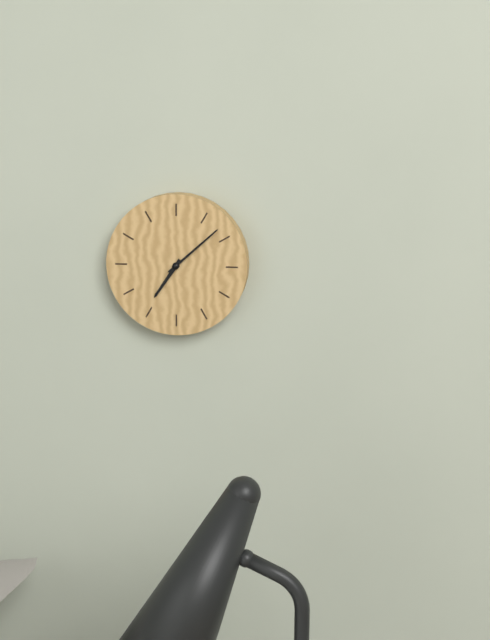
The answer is 7:08
